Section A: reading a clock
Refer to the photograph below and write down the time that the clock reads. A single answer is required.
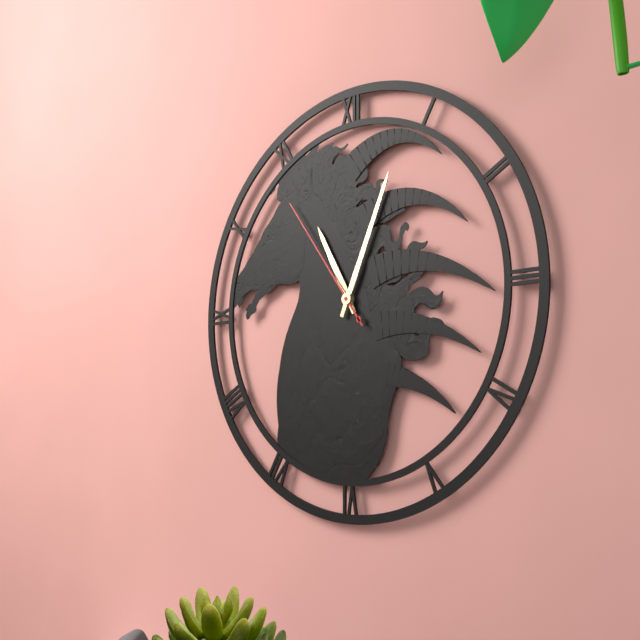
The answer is 11:04:54
